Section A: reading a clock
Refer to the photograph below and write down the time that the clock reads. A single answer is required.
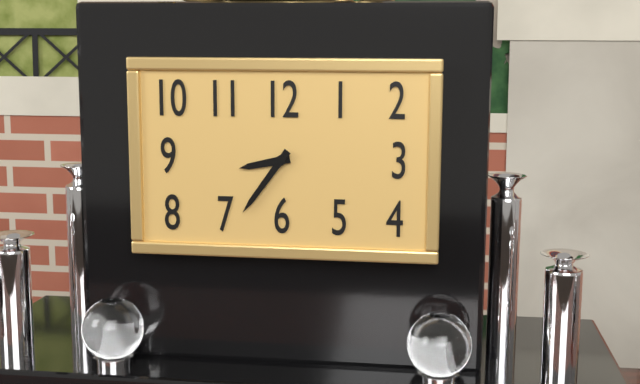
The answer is 8:36
